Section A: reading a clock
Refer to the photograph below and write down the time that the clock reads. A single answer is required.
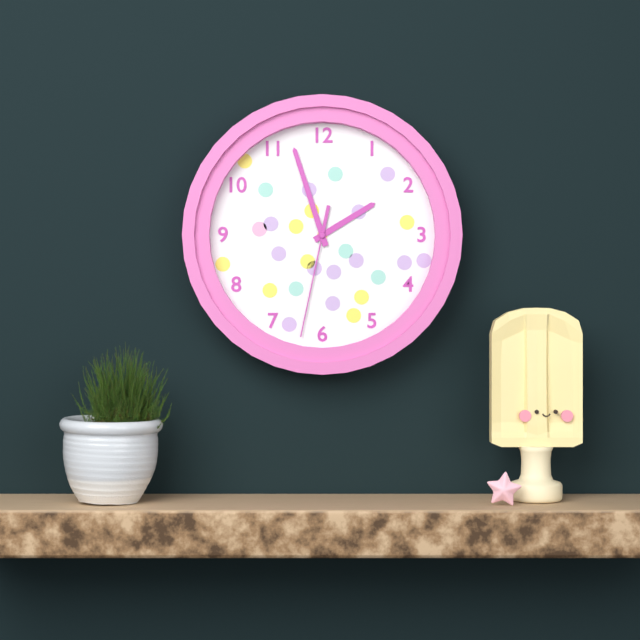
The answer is 1:57:32
